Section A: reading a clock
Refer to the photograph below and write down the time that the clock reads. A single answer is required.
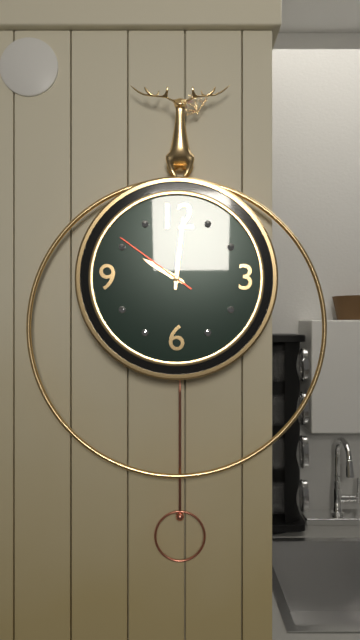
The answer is 10:01:51
